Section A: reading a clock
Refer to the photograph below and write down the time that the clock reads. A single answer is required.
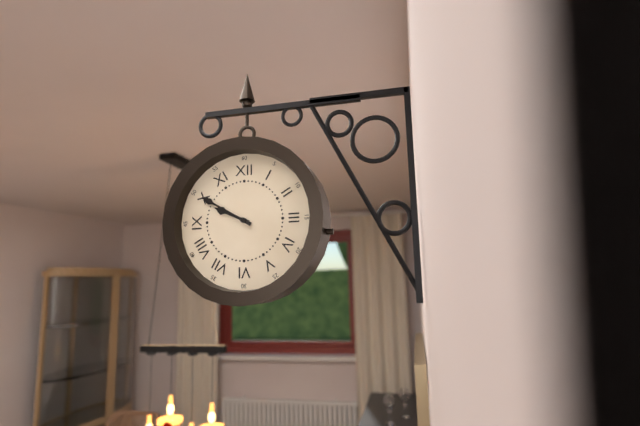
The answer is 9:50
